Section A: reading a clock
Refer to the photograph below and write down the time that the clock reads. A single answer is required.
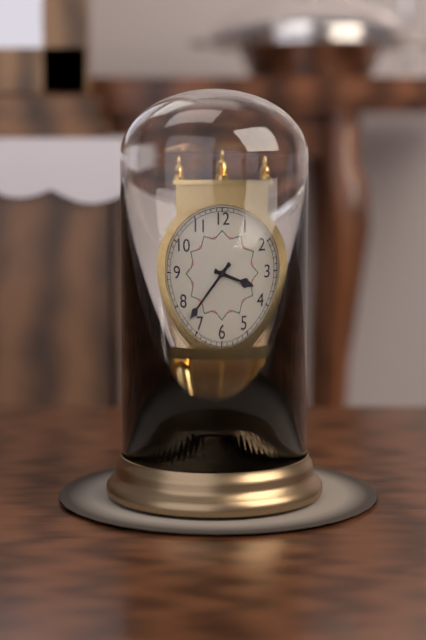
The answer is 3:37
